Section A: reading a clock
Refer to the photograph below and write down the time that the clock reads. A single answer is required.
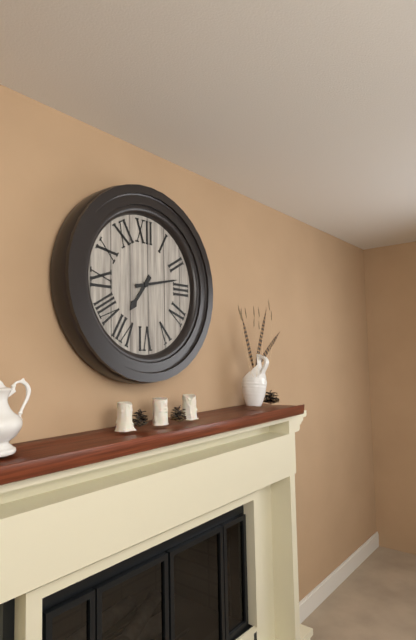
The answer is 7:13
